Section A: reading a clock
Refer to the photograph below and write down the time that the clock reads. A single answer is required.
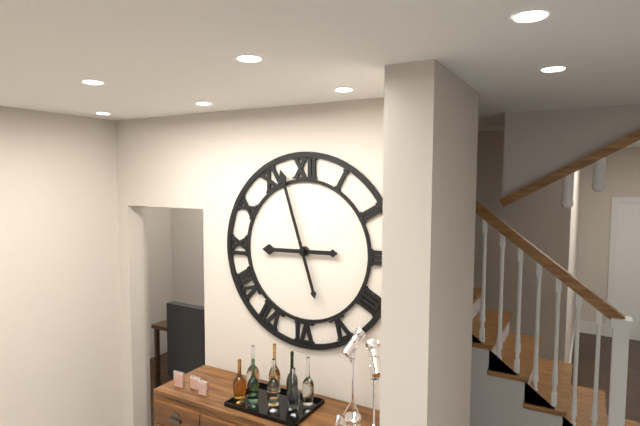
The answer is 8:57
